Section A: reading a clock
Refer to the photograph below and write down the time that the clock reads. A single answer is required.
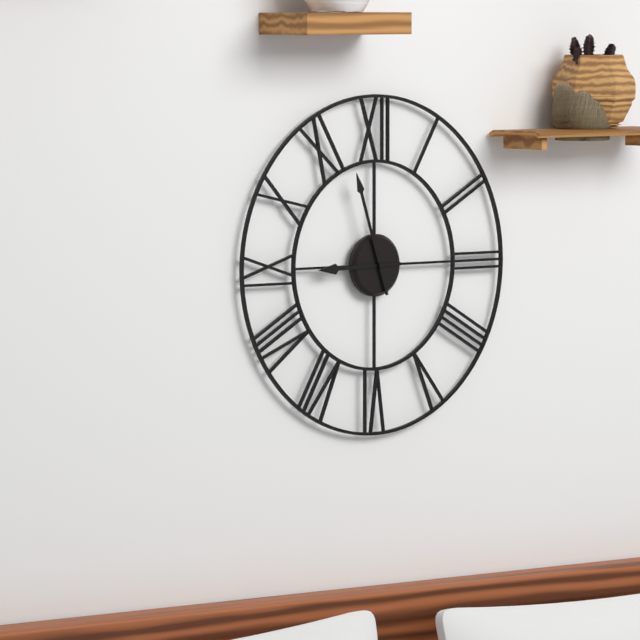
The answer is 8:57
